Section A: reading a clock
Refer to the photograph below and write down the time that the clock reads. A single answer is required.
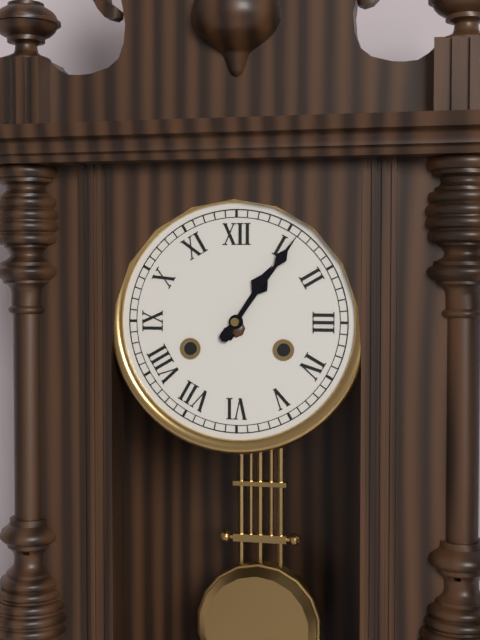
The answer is 1:06
